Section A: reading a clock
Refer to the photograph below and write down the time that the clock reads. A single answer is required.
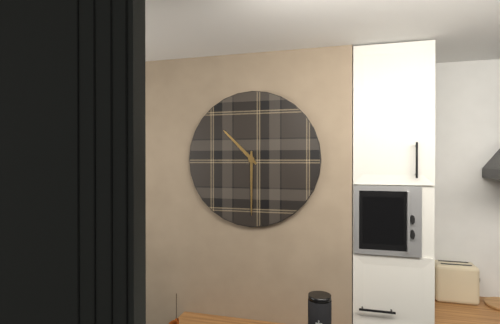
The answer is 10:30
